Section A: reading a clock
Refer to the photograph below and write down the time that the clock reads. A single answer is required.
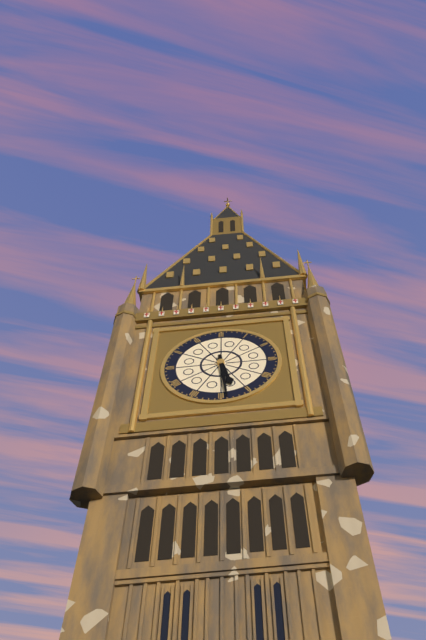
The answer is 5:29
